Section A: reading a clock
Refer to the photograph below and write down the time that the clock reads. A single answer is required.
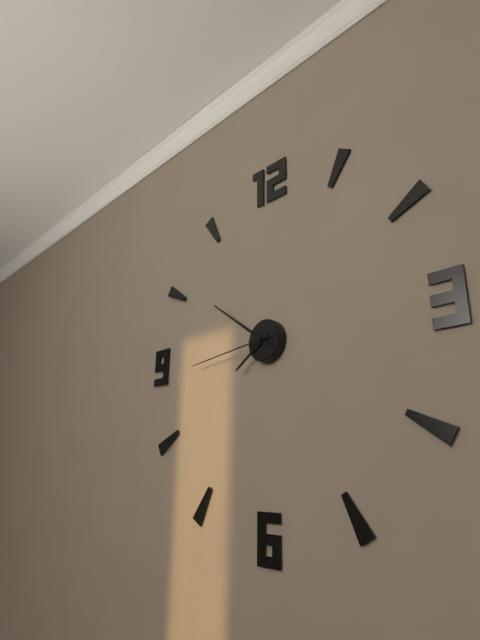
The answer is 7:51:44
